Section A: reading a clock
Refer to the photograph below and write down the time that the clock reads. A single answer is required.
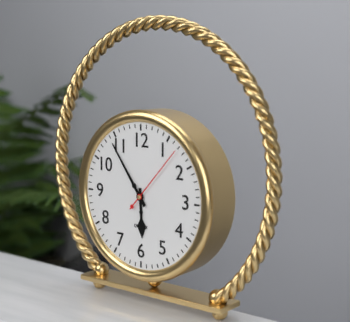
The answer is 5:54:07
